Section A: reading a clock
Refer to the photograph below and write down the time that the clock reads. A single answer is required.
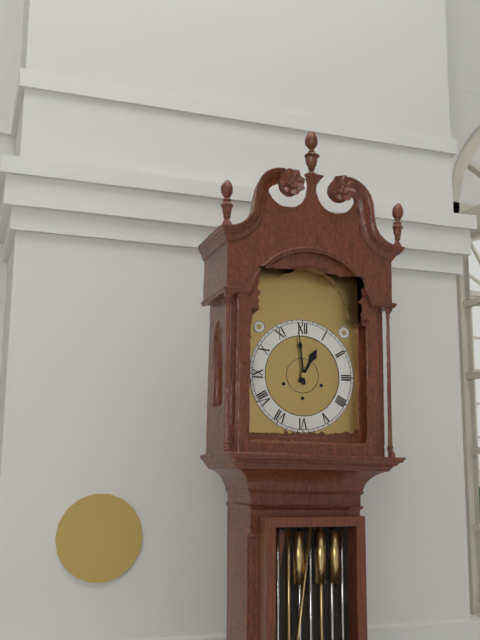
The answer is 12:59
